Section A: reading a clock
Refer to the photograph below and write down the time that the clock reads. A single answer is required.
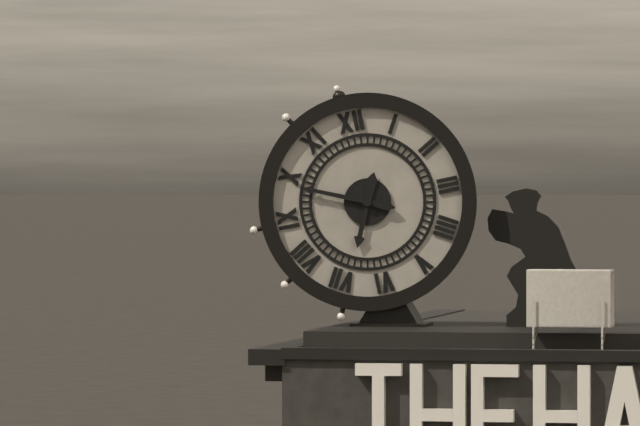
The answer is 6:49
